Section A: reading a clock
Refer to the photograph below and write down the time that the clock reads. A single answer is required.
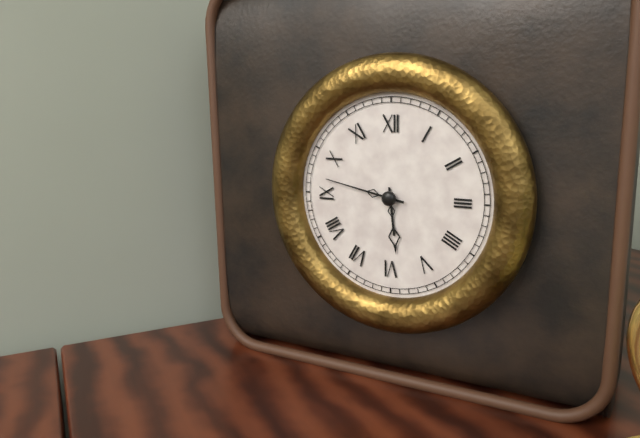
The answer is 5:47
